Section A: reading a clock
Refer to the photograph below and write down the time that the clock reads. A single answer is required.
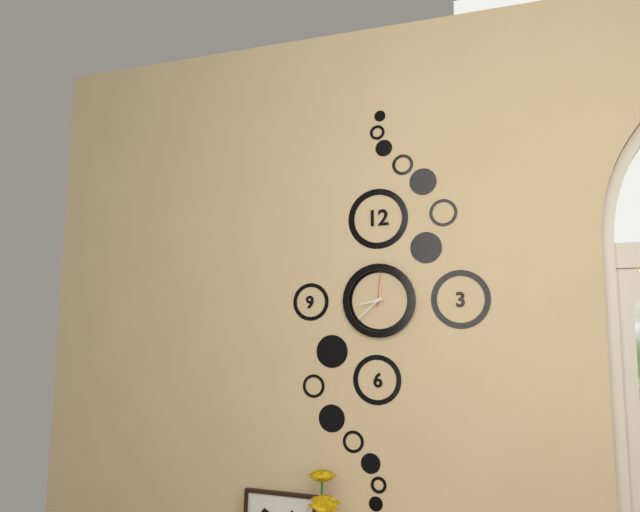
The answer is 8:38
